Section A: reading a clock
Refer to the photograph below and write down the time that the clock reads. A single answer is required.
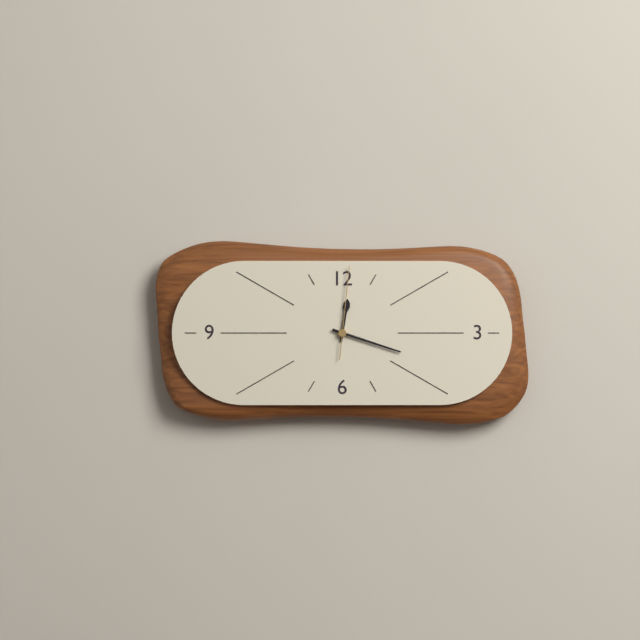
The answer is 12:18:01
